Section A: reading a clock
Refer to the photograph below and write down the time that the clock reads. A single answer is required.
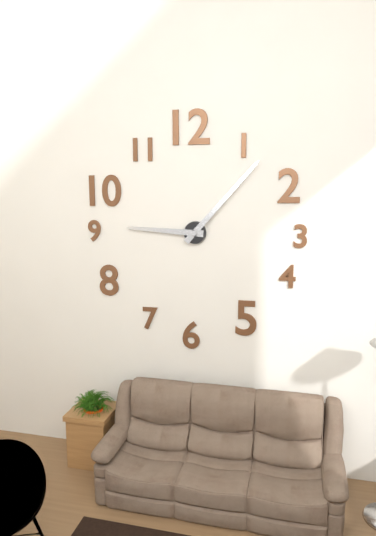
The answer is 9:07
